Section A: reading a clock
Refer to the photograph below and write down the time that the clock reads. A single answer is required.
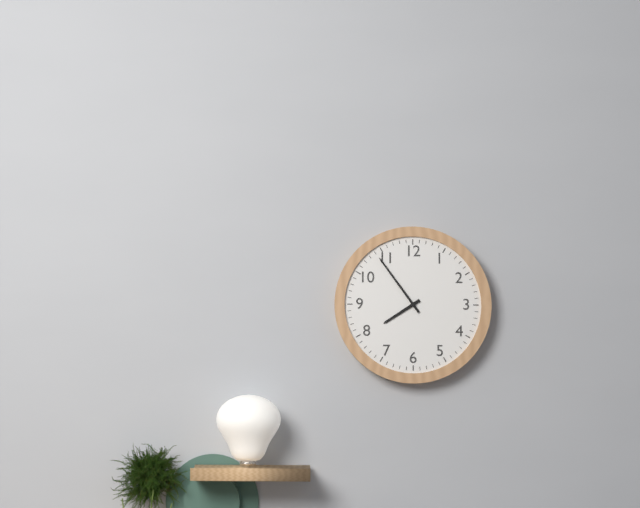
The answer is 7:54
